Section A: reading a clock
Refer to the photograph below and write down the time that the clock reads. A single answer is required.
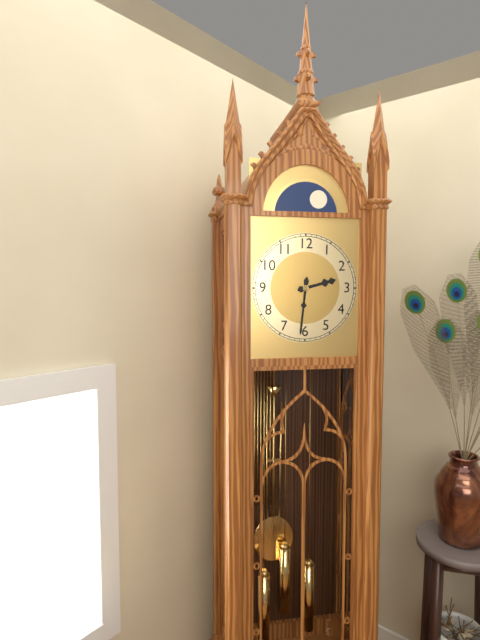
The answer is 2:31
